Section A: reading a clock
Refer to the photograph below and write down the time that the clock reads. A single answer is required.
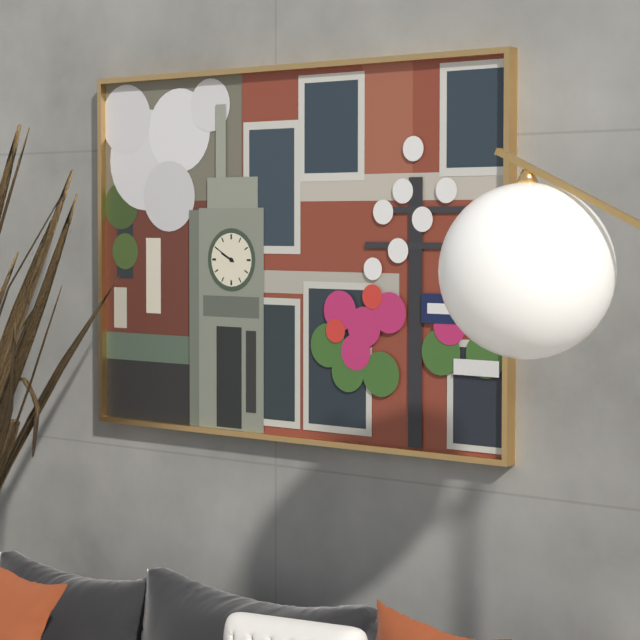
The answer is 9:50
